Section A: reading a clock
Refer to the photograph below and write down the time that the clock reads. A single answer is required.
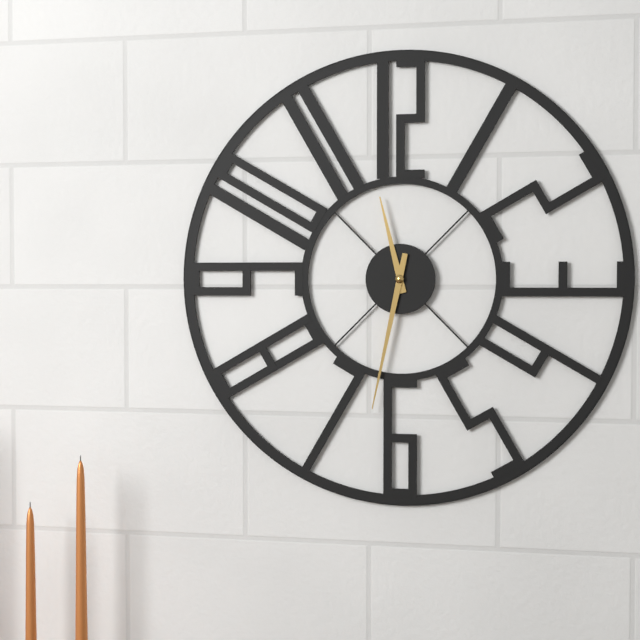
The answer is 11:32
